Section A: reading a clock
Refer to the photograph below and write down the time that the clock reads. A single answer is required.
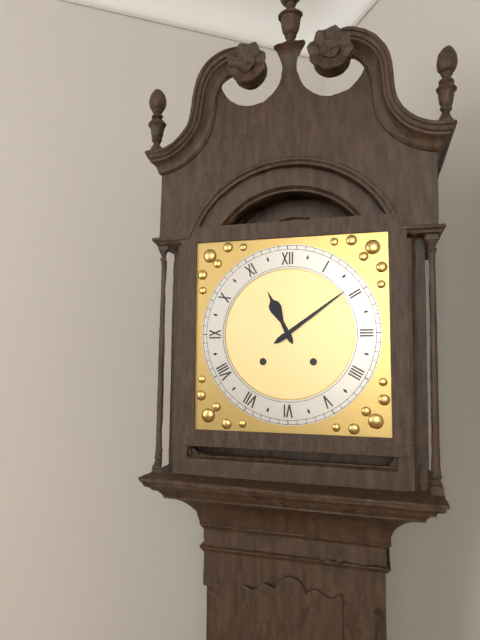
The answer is 11:09
